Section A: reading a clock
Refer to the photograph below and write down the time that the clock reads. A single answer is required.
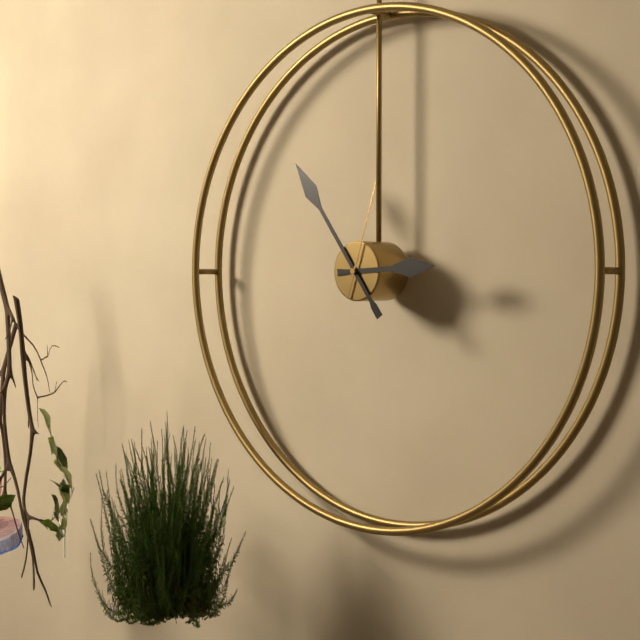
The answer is 2:54:03
